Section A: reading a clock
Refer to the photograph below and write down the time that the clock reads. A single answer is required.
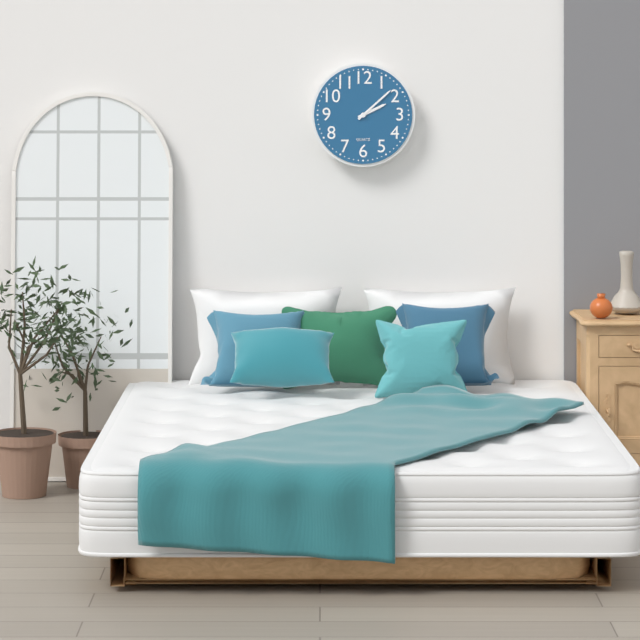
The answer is 2:08
